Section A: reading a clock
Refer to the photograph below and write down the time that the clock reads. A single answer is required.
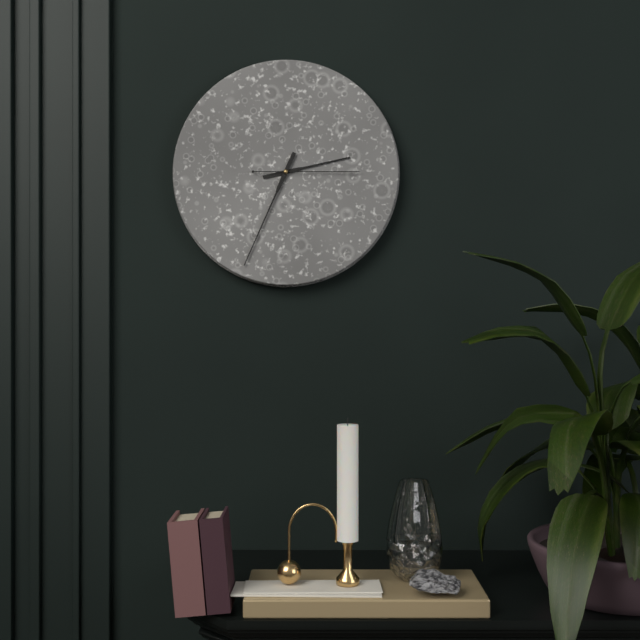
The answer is 2:34:15
